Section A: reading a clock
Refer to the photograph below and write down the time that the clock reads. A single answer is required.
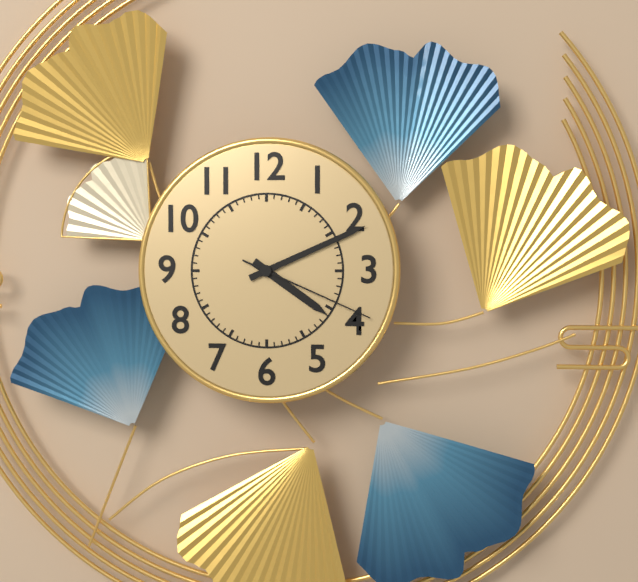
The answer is 4:11:19
